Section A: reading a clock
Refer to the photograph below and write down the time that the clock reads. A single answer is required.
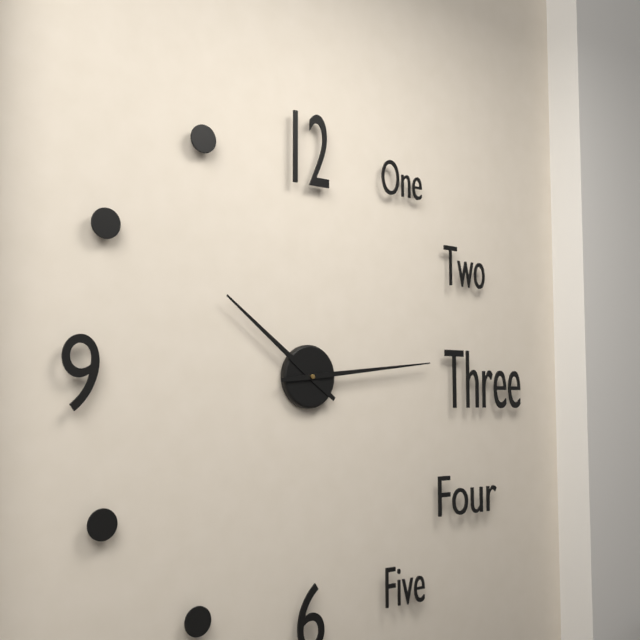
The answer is 10:14
